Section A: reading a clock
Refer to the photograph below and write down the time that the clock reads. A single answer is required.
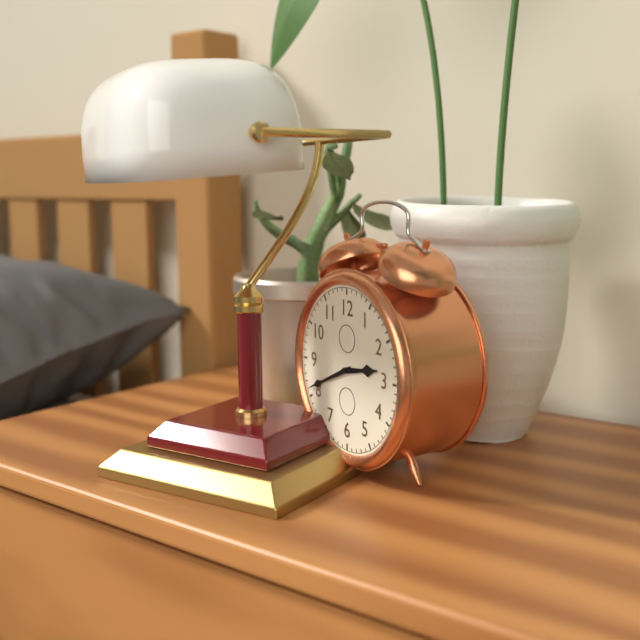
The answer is 2:41
